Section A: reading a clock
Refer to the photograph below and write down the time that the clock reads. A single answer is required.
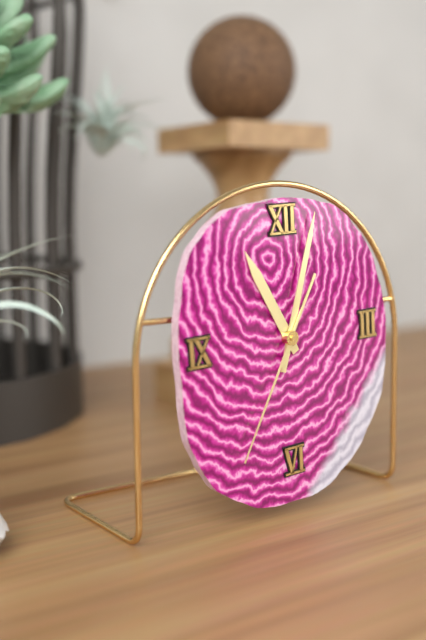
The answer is 11:03:35
